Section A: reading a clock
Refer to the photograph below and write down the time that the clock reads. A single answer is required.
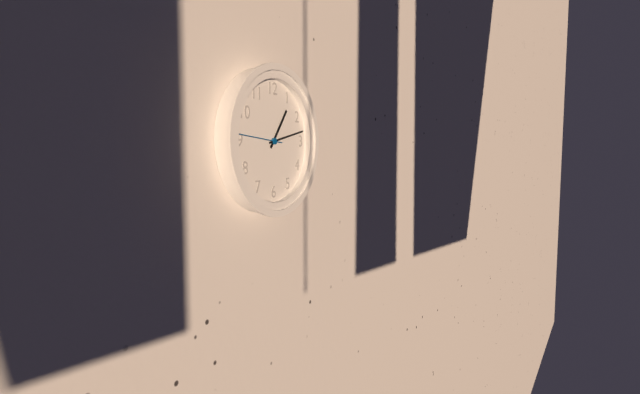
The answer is 1:13
